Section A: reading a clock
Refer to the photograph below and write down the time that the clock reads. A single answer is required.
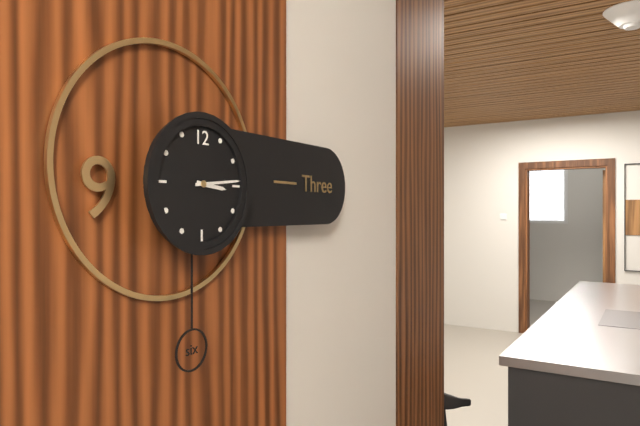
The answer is 3:14
